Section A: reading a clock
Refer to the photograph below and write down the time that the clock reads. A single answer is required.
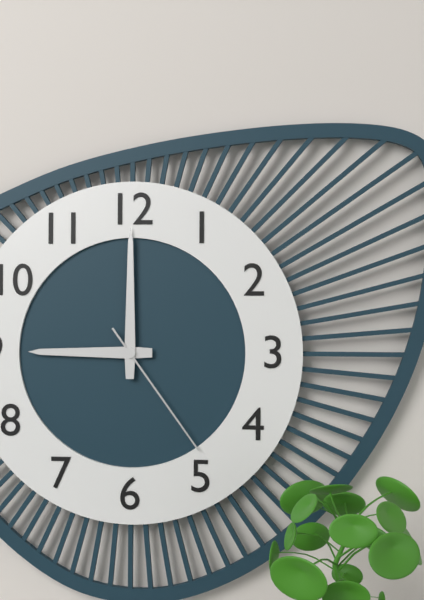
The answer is 9:00:24
